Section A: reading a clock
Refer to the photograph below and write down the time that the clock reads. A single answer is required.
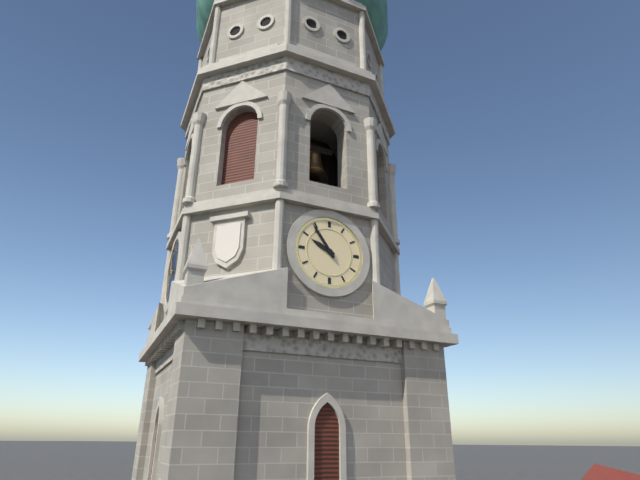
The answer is 9:54
